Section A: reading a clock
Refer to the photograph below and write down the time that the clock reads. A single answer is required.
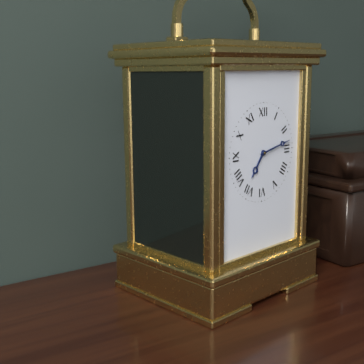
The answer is 7:13
